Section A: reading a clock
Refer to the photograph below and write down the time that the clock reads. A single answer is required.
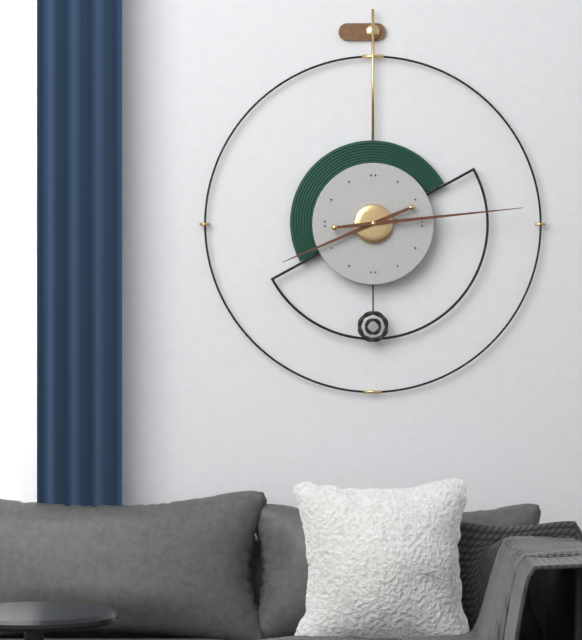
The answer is 8:14
